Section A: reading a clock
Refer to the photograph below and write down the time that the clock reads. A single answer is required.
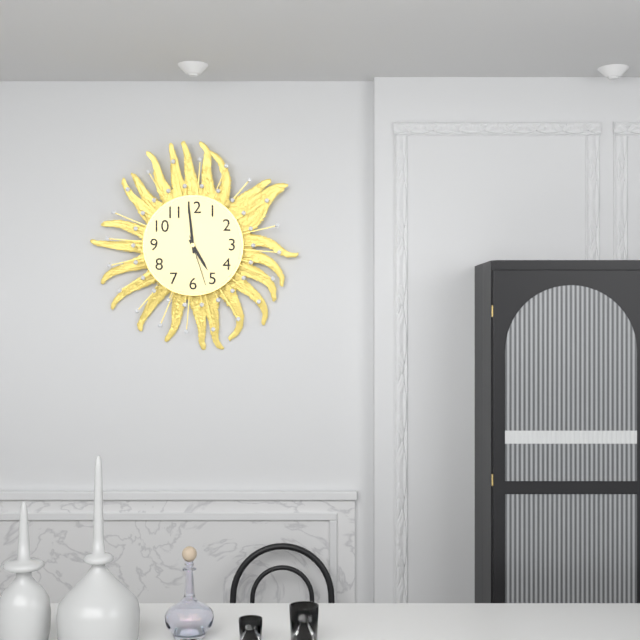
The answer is 4:59:27
